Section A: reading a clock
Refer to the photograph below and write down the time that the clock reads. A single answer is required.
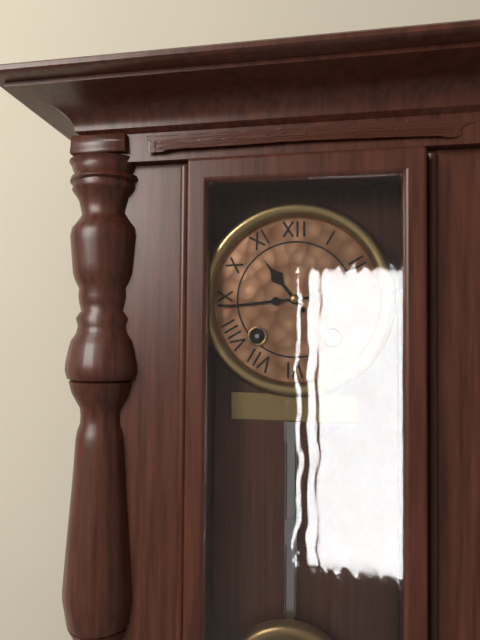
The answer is 10:44
